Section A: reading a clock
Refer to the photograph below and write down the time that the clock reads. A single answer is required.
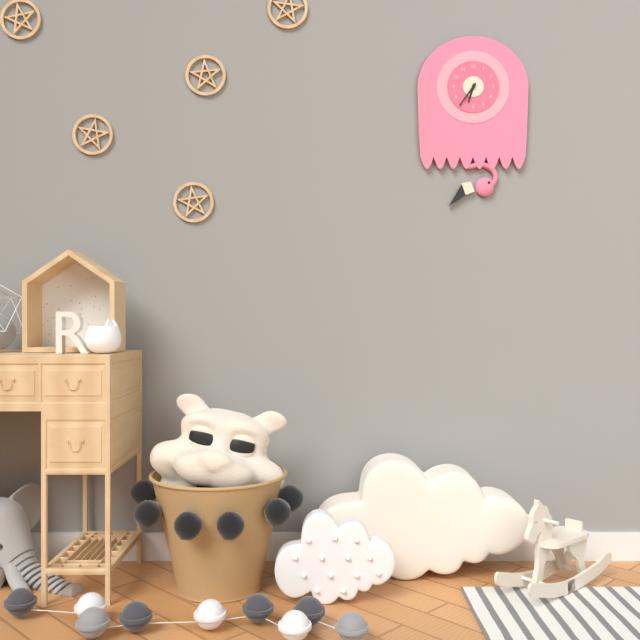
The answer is 6:36
